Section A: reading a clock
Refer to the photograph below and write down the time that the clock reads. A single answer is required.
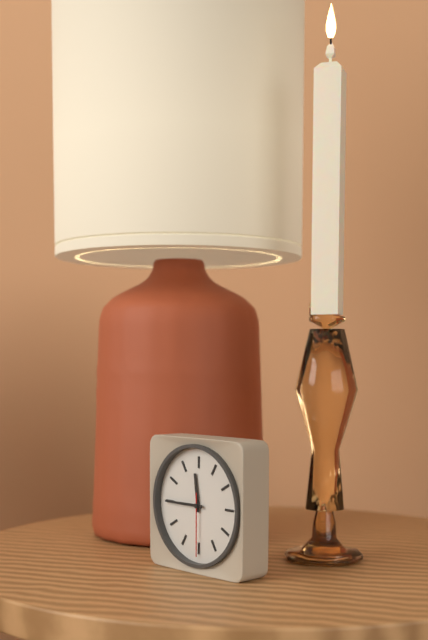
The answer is 11:45:30
